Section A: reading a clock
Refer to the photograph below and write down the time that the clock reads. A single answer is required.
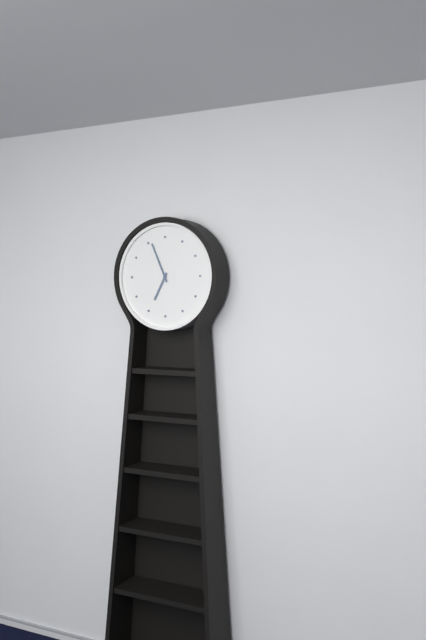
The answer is 6:56
